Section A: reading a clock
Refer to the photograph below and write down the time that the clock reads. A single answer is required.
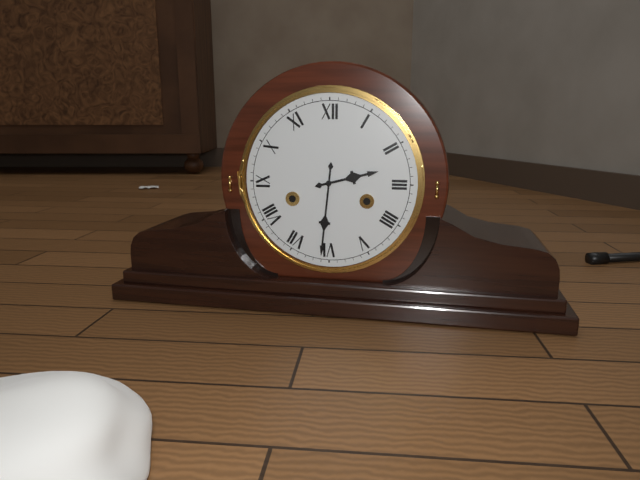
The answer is 2:31
